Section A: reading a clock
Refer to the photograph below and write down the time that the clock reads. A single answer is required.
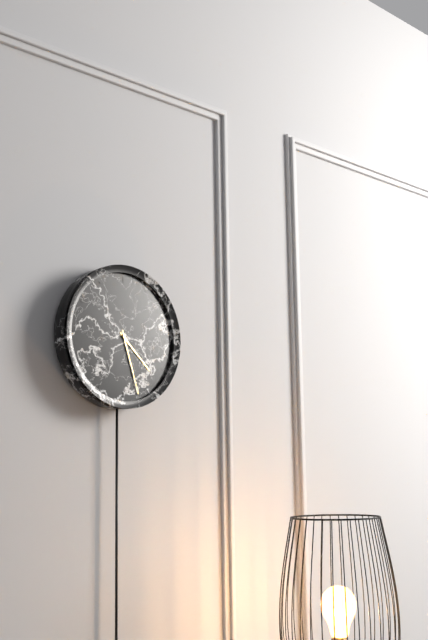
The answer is 4:27
